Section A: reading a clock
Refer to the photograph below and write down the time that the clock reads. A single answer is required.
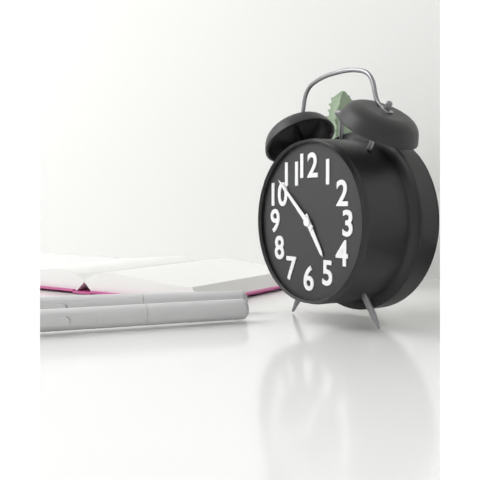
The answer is 4:52
